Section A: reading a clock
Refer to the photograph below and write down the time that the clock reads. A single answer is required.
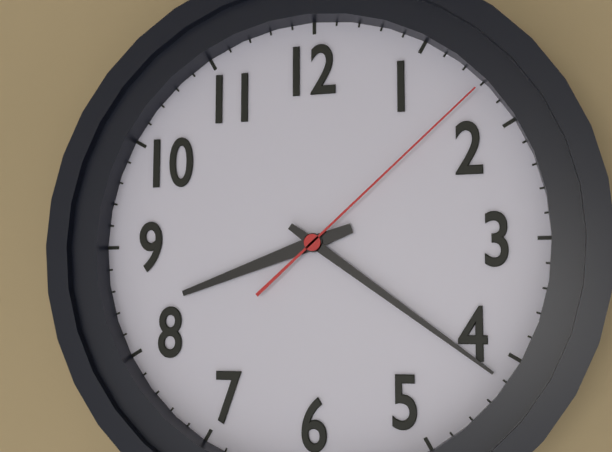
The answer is 8:21:08
